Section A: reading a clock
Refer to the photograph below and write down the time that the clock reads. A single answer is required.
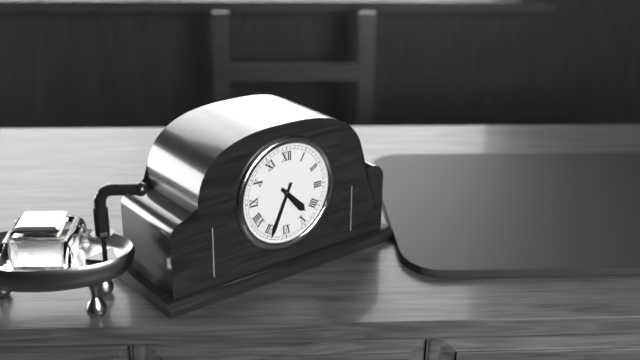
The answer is 4:34
